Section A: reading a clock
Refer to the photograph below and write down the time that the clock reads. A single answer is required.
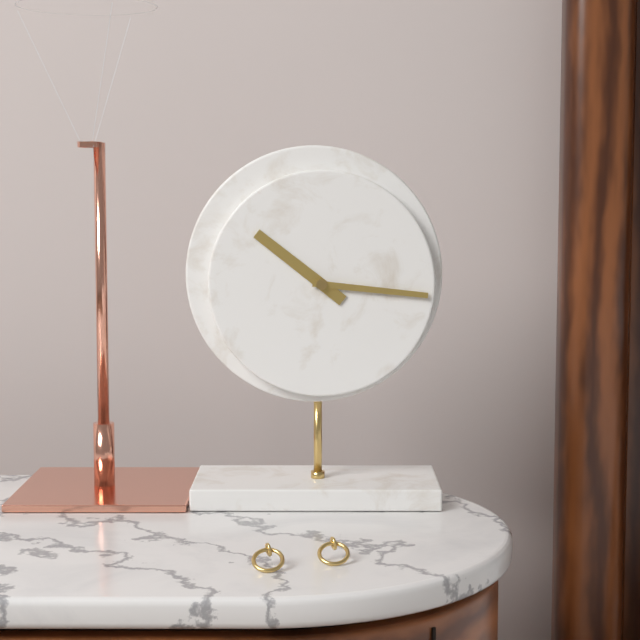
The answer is 10:16
